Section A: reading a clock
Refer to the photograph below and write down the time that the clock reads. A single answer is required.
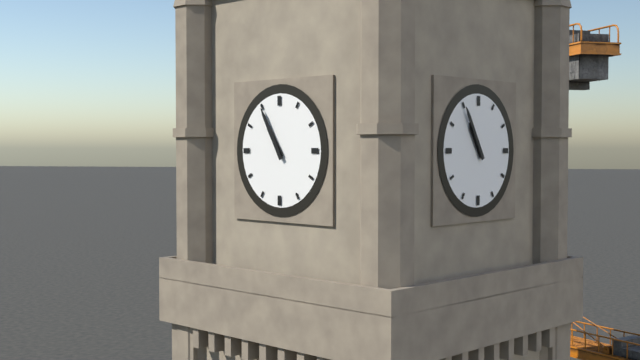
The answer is 10:55
